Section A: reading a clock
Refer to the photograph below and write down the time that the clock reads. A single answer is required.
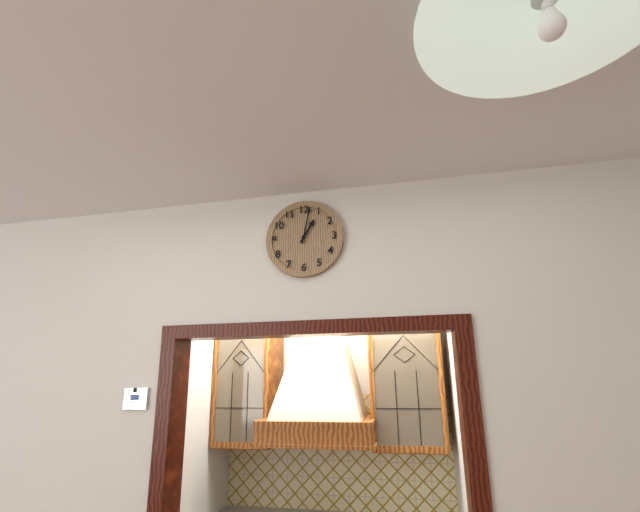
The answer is 1:02
